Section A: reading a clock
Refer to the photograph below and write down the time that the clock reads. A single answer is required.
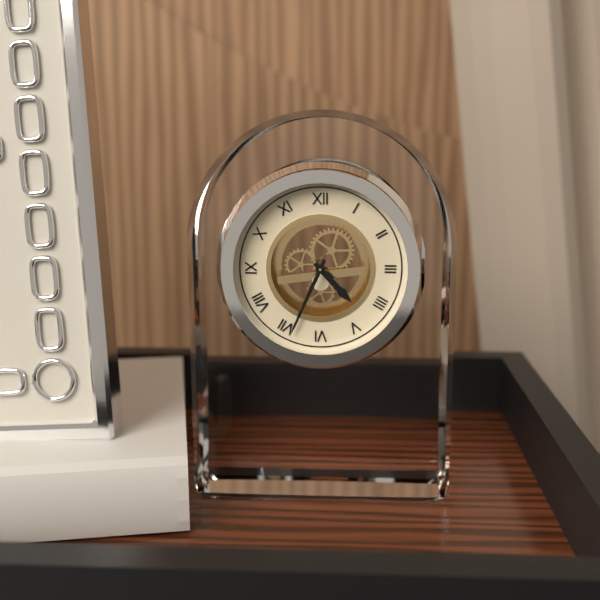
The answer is 4:34
